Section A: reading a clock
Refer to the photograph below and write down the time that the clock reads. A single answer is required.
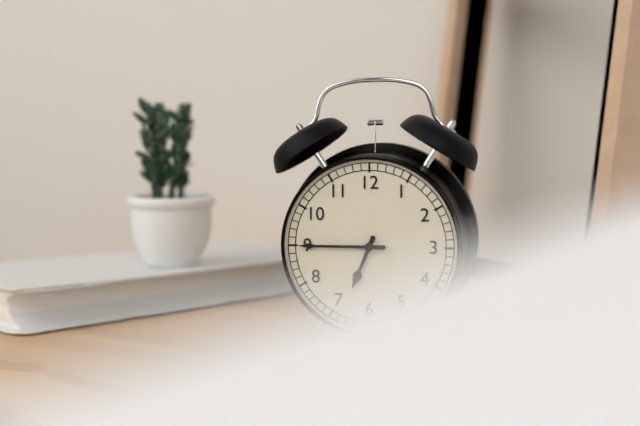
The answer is 6:45
